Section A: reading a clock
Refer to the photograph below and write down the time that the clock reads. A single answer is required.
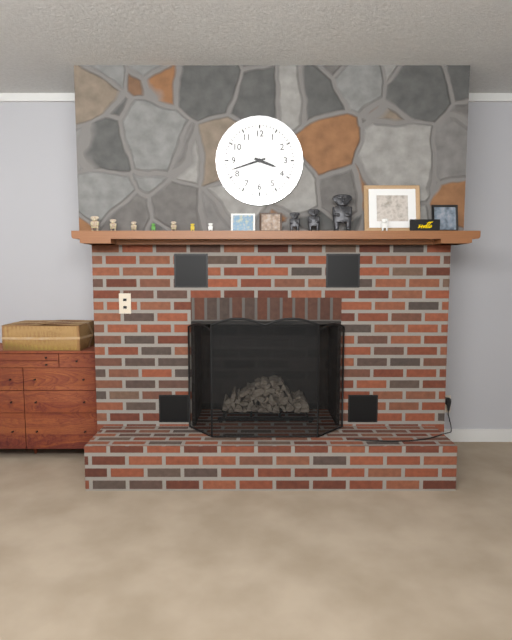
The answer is 3:42
